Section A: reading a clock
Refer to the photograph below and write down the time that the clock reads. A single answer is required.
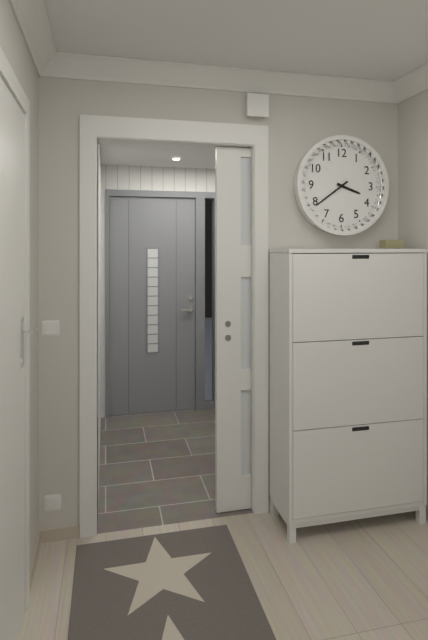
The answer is 3:39
